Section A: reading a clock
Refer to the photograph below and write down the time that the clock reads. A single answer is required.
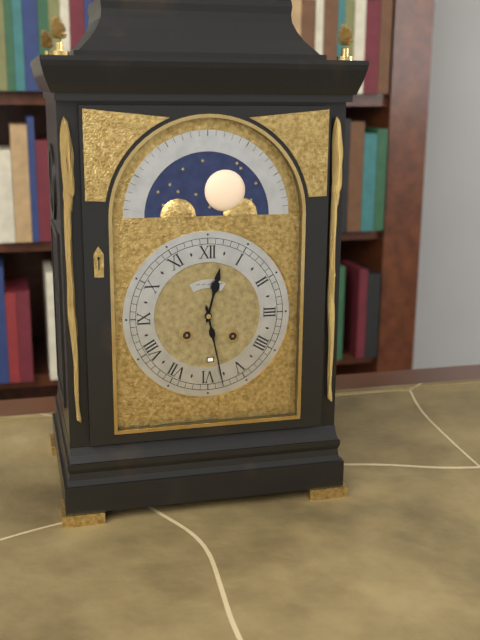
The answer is 12:28
